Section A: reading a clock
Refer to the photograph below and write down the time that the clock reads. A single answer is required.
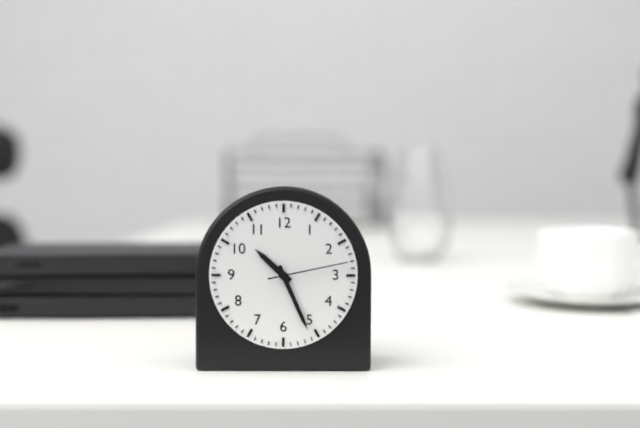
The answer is 10:26:13
